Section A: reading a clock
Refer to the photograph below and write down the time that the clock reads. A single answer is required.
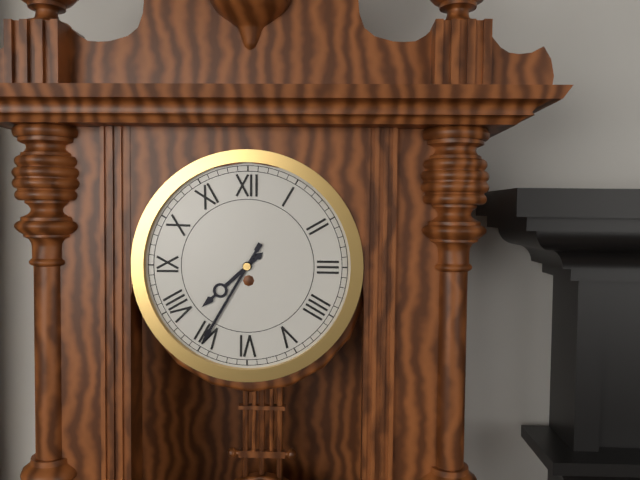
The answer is 7:35
